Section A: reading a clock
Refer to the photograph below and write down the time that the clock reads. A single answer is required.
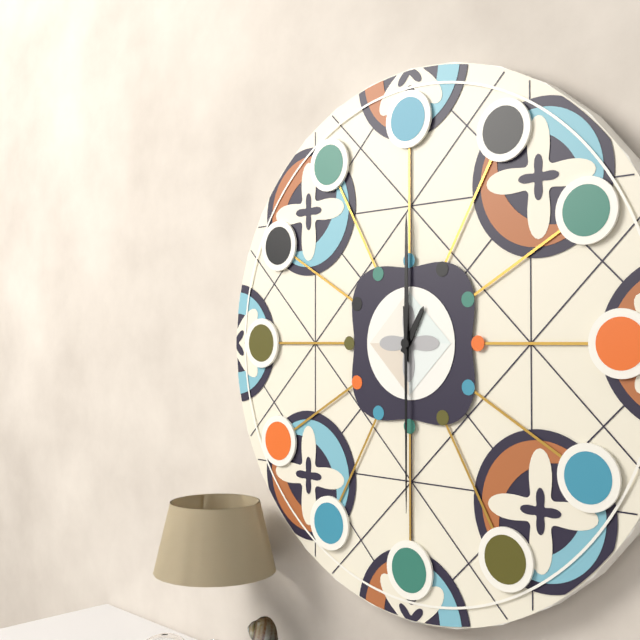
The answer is 1:00:30
